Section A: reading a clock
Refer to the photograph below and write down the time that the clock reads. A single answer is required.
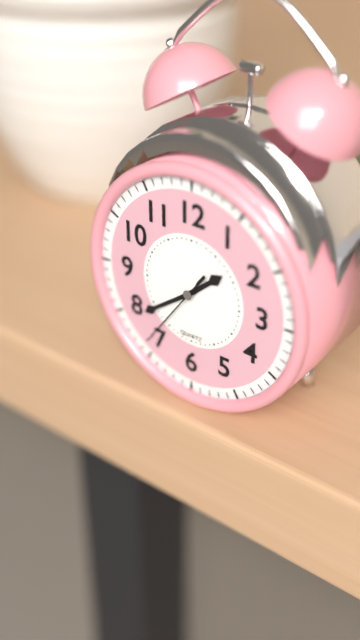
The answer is 1:39:36
